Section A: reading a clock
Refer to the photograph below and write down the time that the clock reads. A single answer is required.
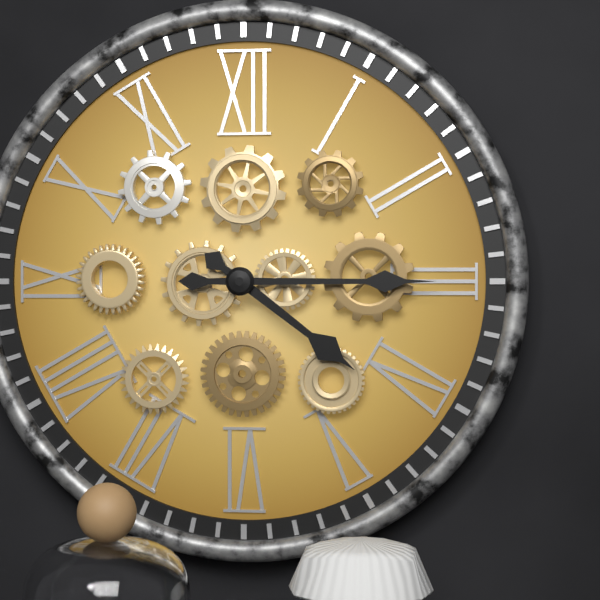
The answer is 4:15
